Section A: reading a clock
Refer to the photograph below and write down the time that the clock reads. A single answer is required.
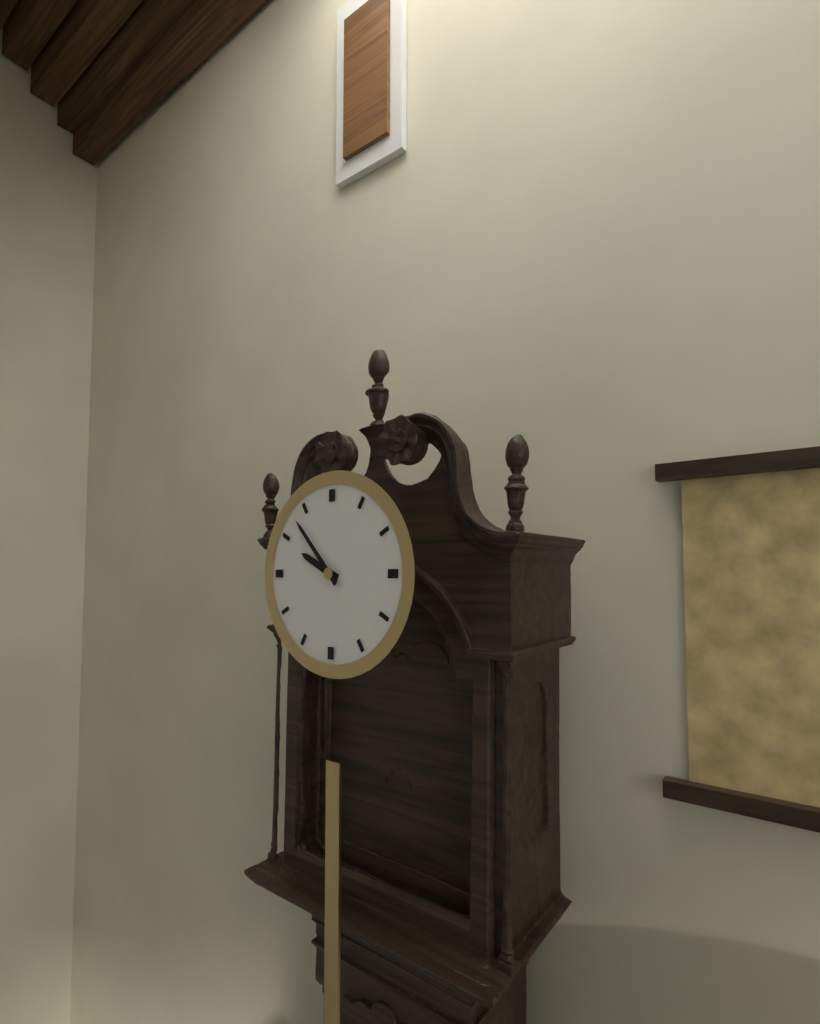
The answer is 9:53
